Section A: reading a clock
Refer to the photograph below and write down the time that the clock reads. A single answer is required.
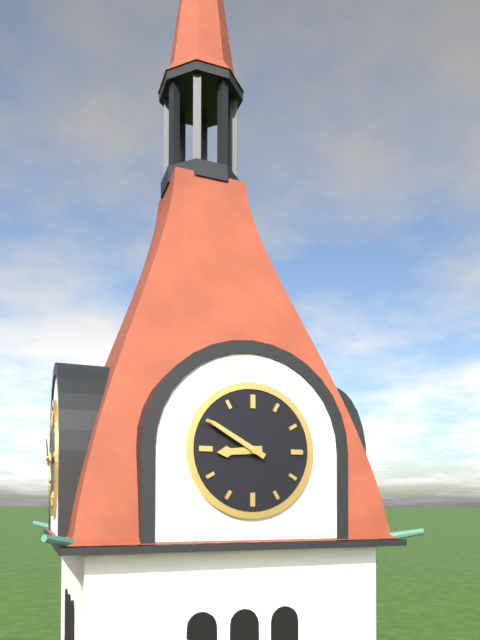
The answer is 8:50
